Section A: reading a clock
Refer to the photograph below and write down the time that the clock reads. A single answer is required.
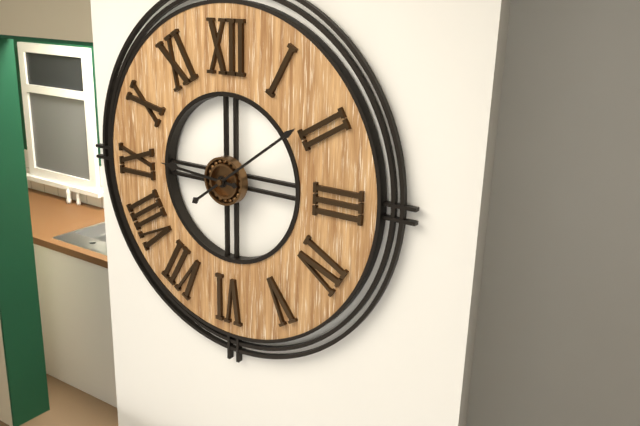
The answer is 9:09
